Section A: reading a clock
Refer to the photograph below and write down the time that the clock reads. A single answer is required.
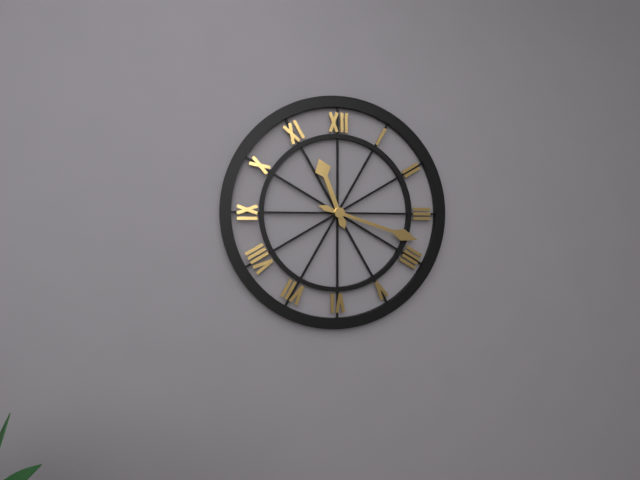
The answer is 11:18
